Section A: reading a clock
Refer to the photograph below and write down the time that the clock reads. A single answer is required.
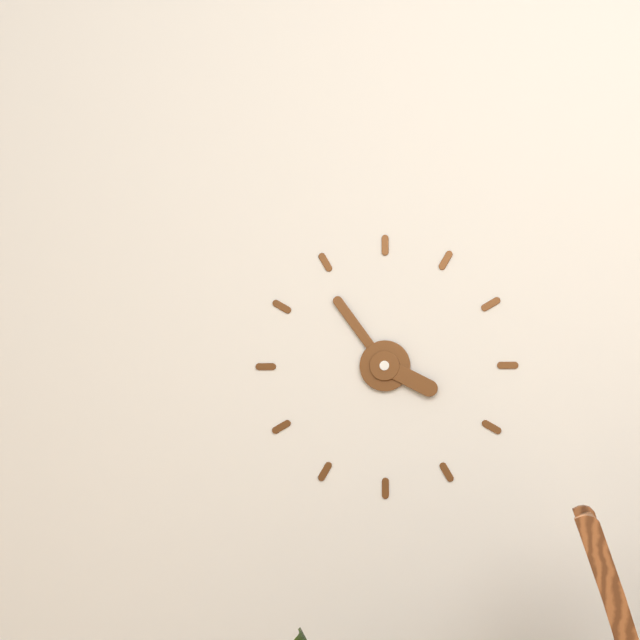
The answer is 3:54
